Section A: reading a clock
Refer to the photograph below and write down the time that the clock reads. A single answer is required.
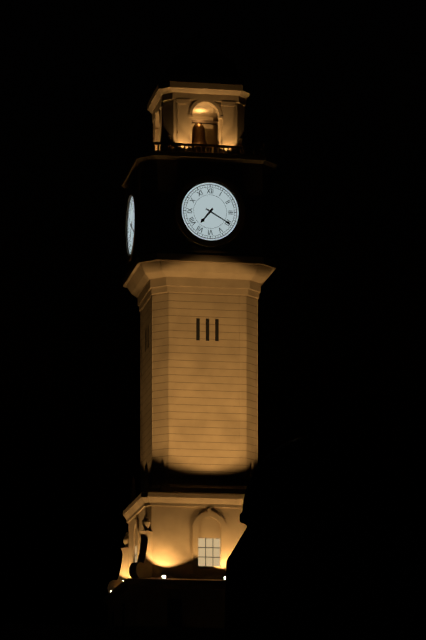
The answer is 7:20
